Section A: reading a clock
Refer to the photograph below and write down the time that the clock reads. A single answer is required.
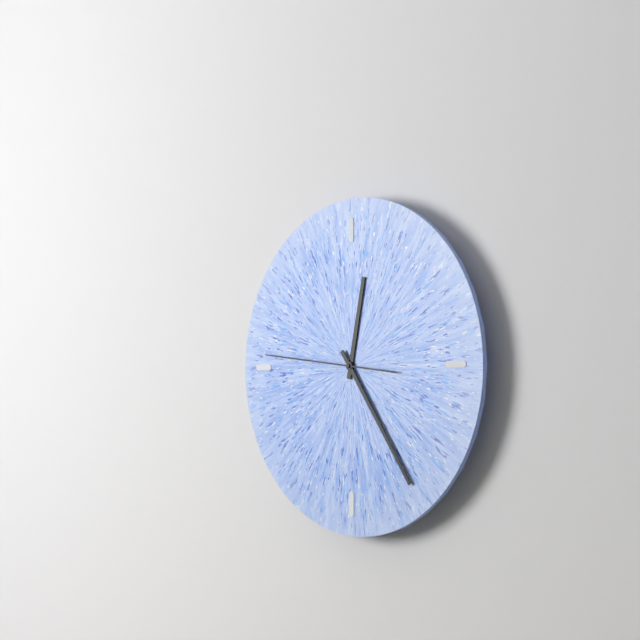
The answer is 12:24:46
